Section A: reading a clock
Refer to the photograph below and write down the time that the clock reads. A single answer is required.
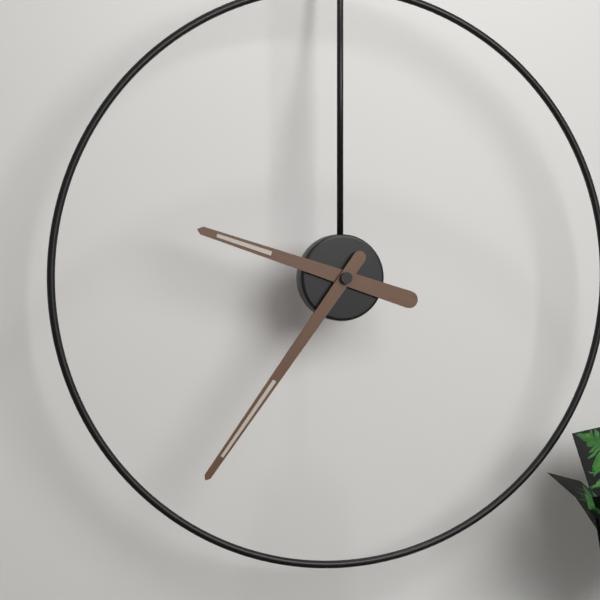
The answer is 9:36
